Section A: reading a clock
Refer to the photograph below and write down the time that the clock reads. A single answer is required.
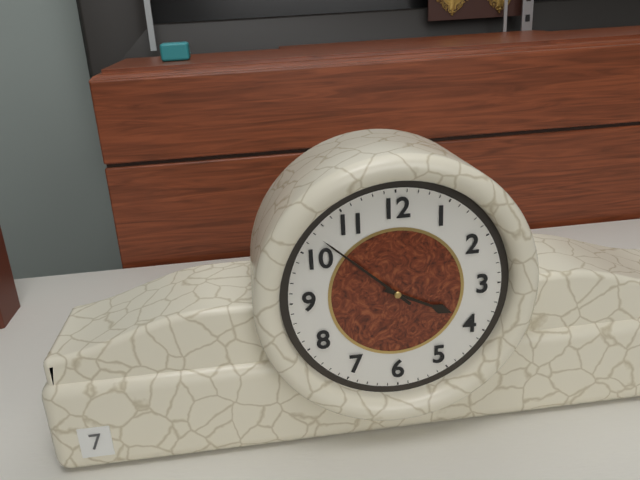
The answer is 3:52
